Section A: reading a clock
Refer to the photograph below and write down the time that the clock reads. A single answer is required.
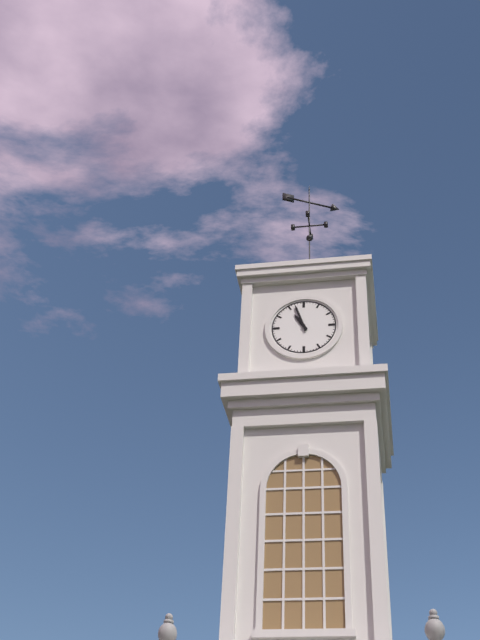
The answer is 10:57
